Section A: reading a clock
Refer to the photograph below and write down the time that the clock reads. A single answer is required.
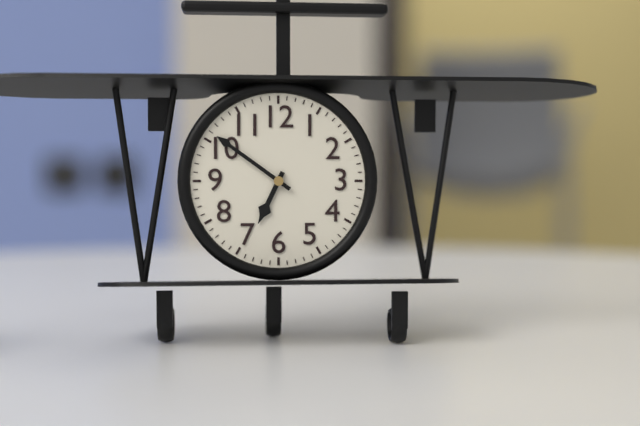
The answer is 6:51
